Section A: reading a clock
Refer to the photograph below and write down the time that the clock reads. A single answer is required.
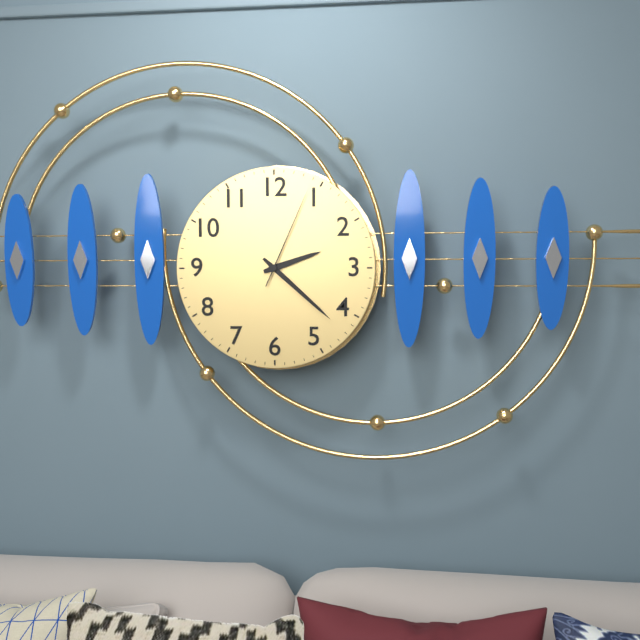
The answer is 2:22:04
